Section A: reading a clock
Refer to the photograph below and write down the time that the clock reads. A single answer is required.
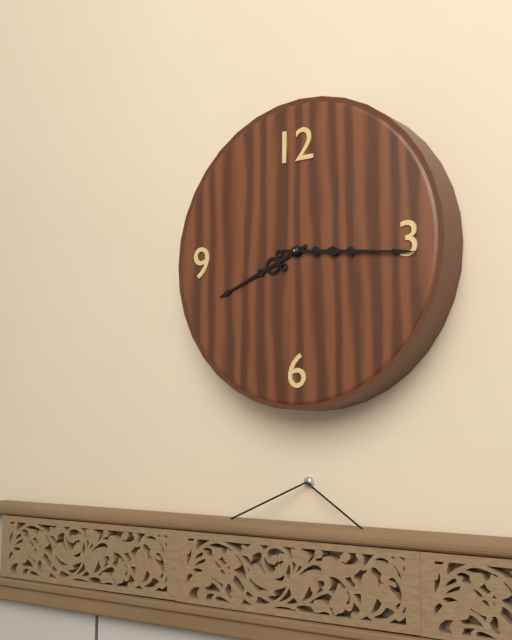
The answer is 8:16
